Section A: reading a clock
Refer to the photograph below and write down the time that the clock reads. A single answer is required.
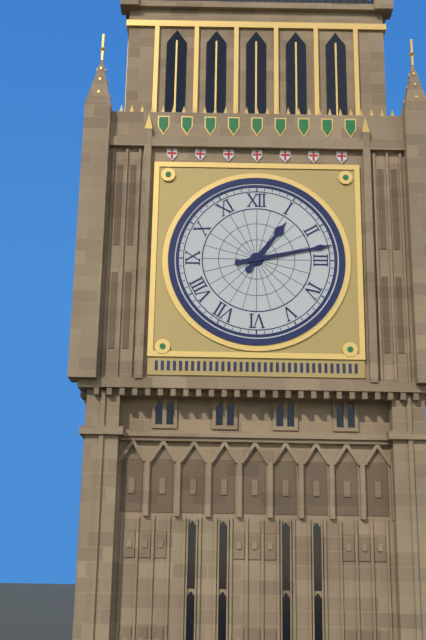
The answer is 1:13
